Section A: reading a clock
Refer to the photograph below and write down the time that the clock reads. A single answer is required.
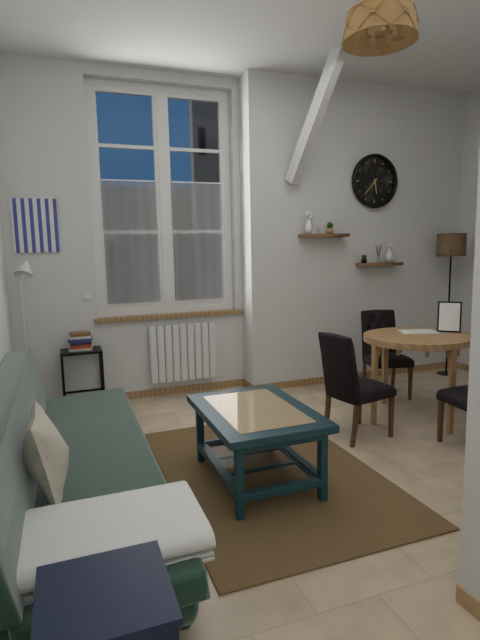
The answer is 5:37
